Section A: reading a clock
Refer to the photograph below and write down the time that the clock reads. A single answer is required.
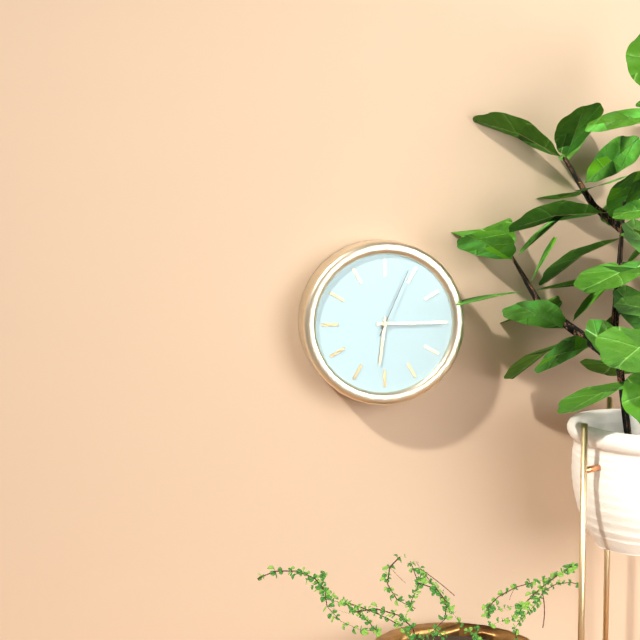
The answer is 6:15:04
